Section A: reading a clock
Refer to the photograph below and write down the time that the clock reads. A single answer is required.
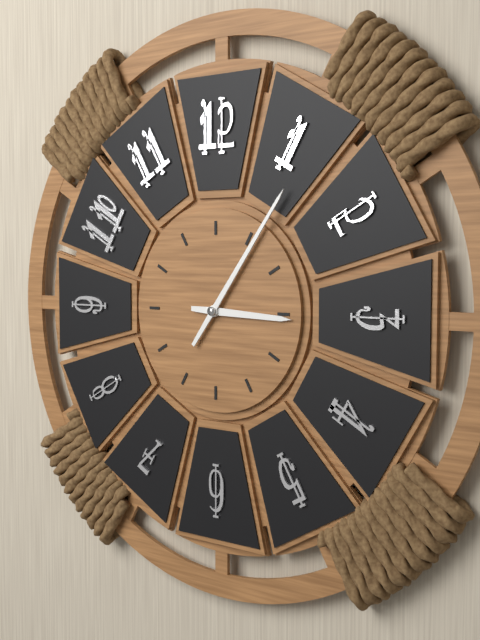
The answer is 3:06
